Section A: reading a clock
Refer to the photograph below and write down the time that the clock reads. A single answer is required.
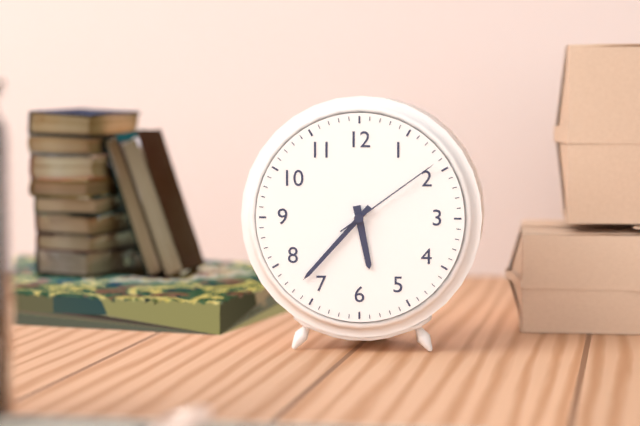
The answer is 5:37:09
